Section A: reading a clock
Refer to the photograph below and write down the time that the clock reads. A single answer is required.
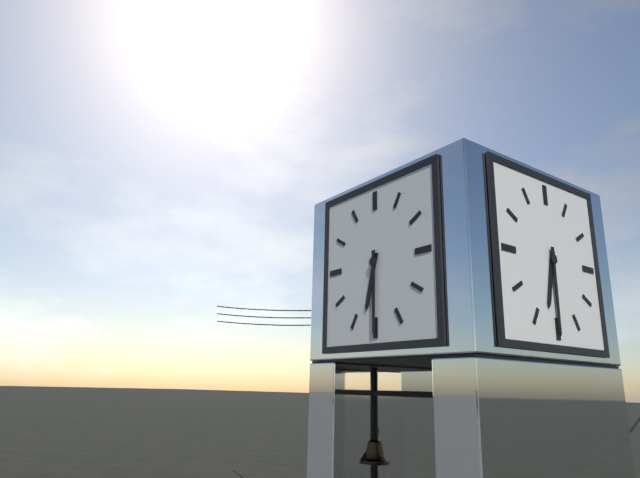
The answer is 6:30
